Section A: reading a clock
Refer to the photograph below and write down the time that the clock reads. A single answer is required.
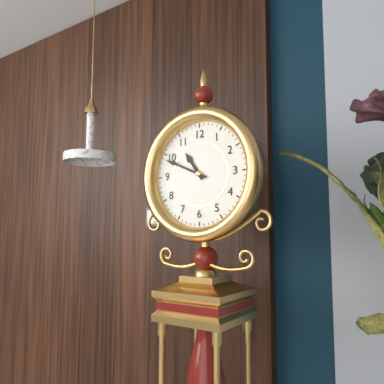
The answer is 10:49
